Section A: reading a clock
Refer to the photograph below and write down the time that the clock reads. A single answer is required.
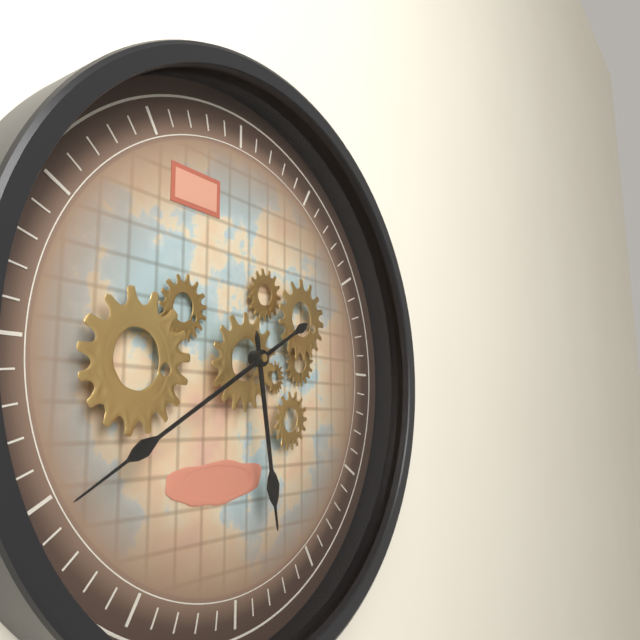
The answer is 5:40
